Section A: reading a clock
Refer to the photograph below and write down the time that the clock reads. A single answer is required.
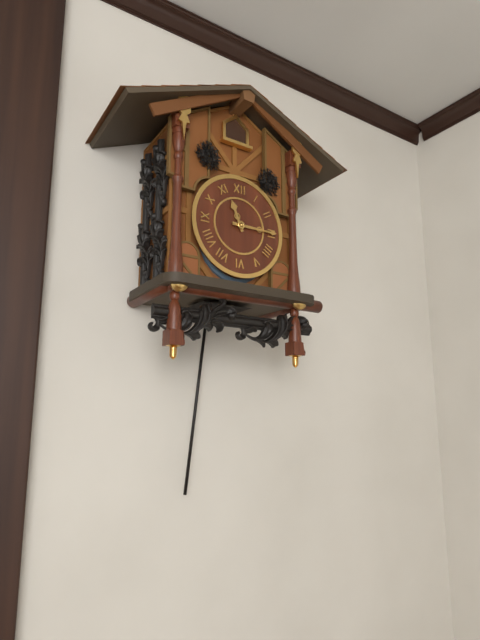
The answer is 11:15
